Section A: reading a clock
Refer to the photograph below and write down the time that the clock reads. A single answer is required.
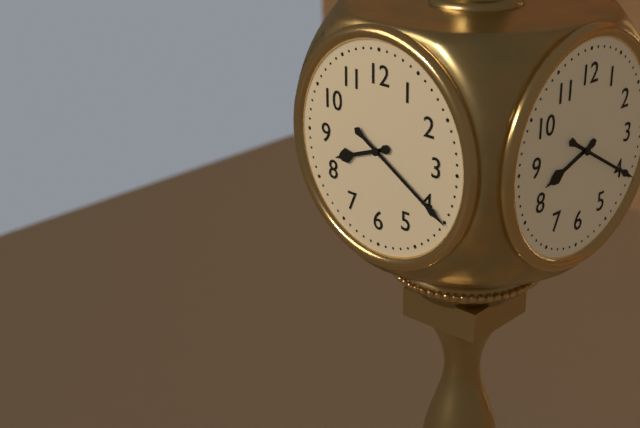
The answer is 8:20
